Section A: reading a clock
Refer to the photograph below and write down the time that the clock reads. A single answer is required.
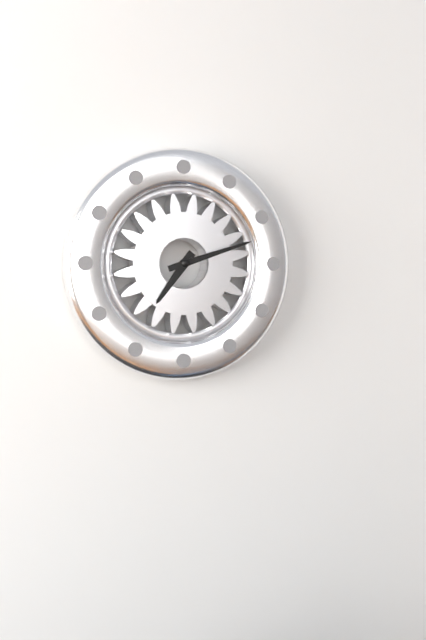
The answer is 7:12
